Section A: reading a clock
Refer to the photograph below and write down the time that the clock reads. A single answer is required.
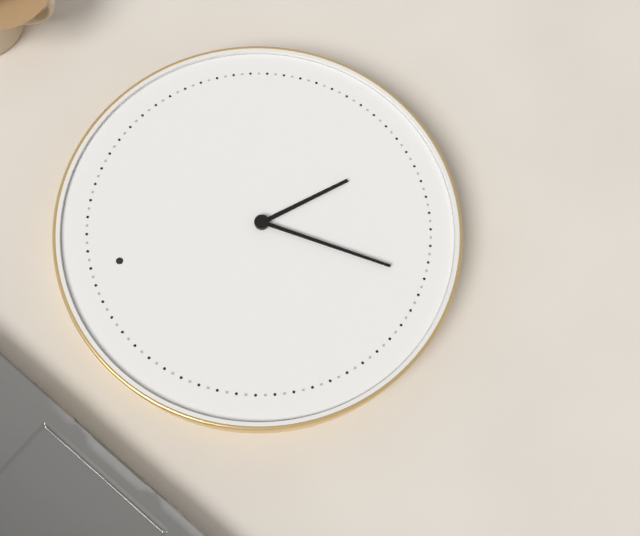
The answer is 5:36
